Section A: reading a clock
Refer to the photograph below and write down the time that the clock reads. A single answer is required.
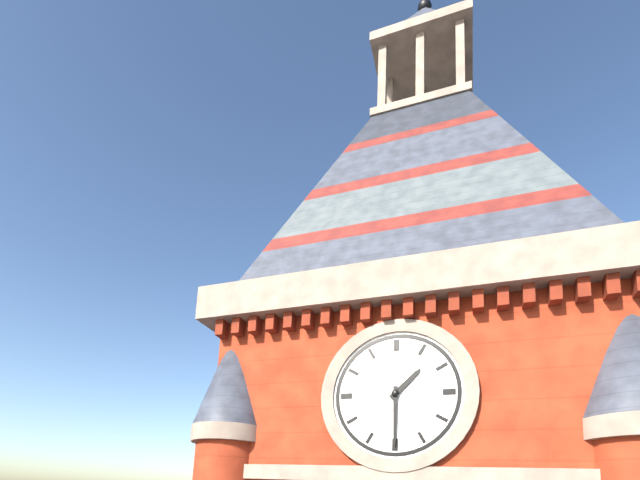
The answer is 1:30
